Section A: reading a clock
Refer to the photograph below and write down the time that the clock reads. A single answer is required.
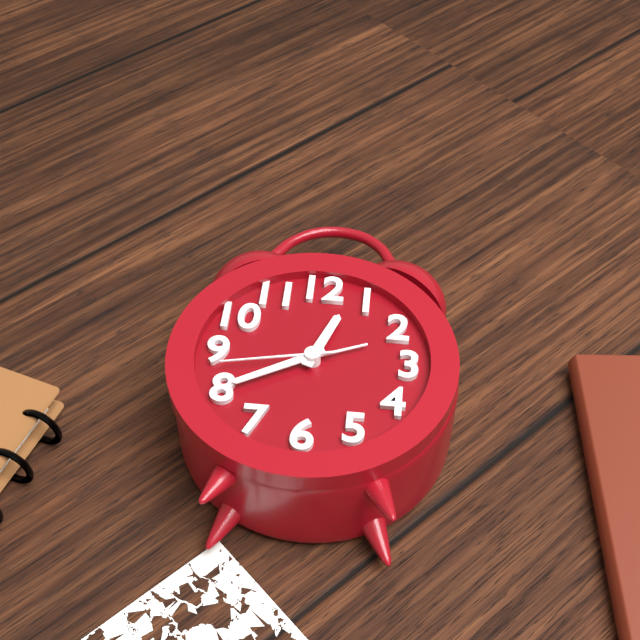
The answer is 12:40:43
